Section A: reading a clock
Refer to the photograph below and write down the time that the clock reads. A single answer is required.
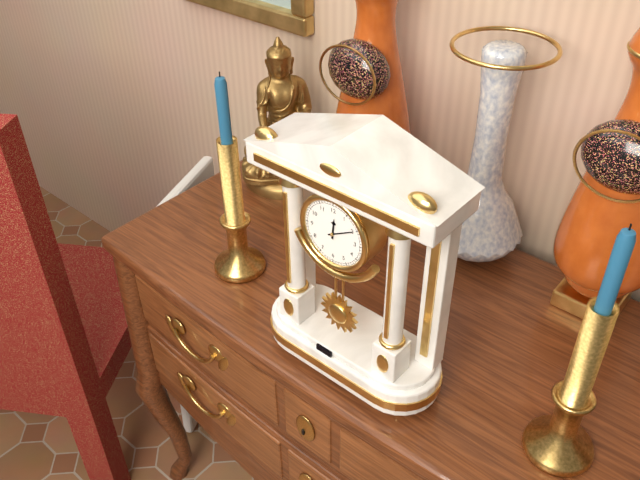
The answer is 12:10
